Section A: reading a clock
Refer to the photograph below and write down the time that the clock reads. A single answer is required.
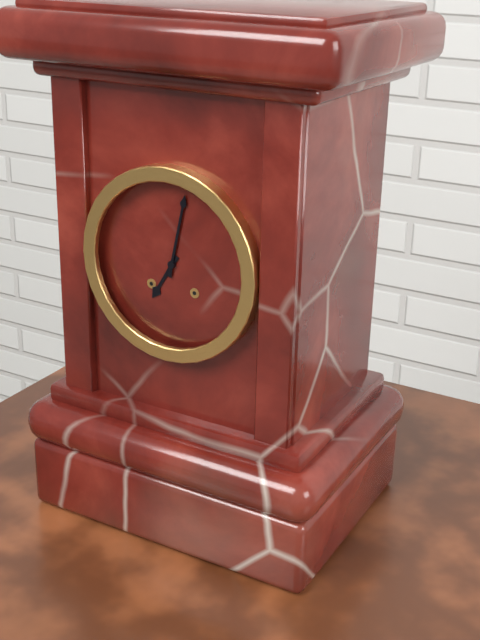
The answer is 7:02
